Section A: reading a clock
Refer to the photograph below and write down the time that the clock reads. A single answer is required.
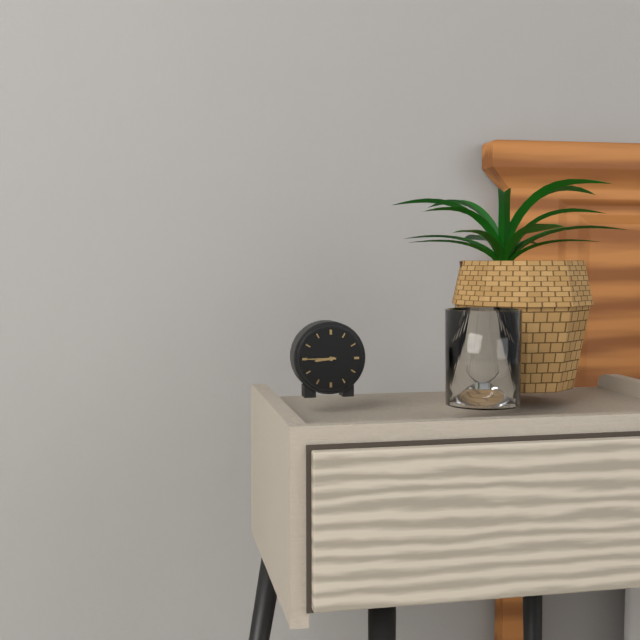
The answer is 8:45
